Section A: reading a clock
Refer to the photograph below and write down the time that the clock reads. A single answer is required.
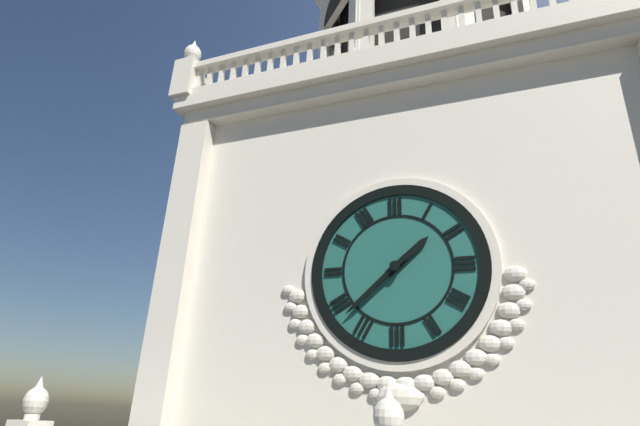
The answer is 1:38
